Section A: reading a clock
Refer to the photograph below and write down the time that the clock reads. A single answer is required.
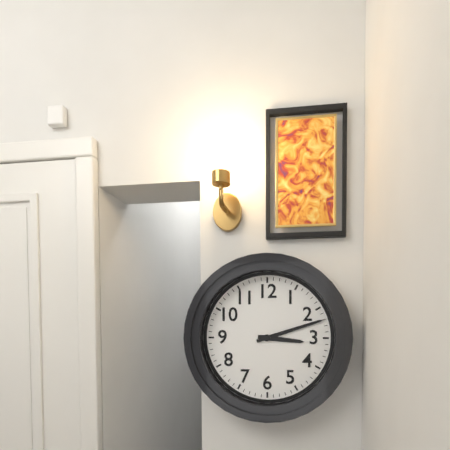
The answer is 3:12
